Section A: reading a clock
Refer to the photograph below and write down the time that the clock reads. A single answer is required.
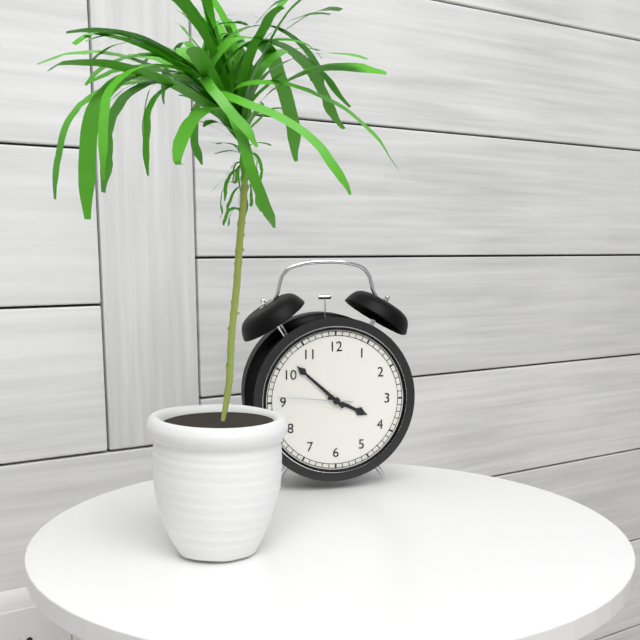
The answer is 3:52:46
